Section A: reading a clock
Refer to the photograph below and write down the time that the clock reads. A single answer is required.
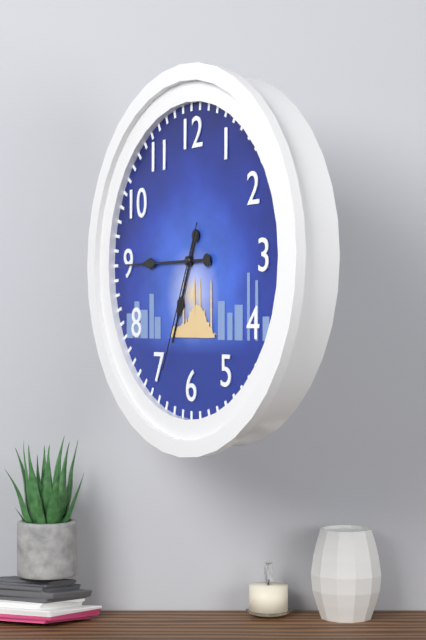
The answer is 6:45:34
